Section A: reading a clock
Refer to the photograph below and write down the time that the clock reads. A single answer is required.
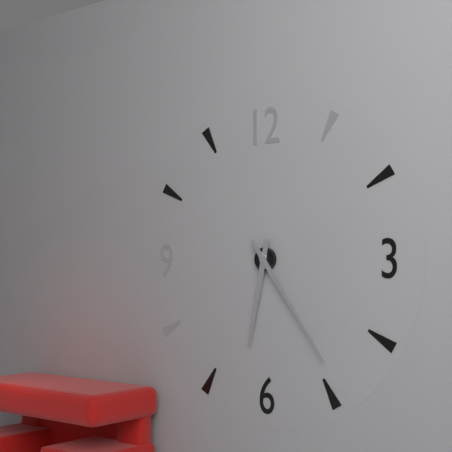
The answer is 6:24
